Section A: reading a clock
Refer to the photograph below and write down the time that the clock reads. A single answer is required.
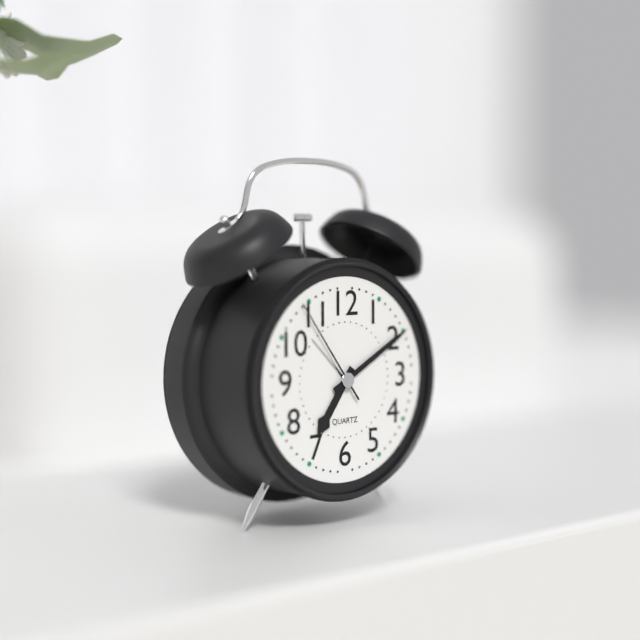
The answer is 7:10:54
